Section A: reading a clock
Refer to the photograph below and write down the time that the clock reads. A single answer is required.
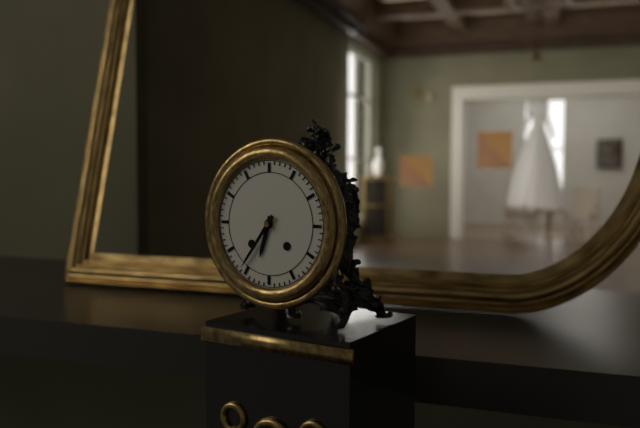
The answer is 6:36
